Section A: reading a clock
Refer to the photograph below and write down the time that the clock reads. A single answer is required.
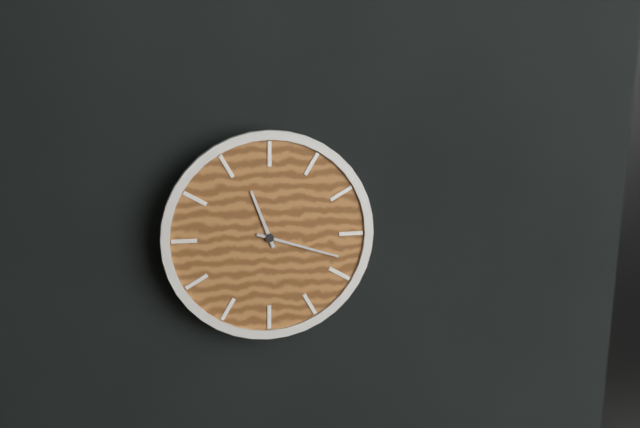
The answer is 11:18
